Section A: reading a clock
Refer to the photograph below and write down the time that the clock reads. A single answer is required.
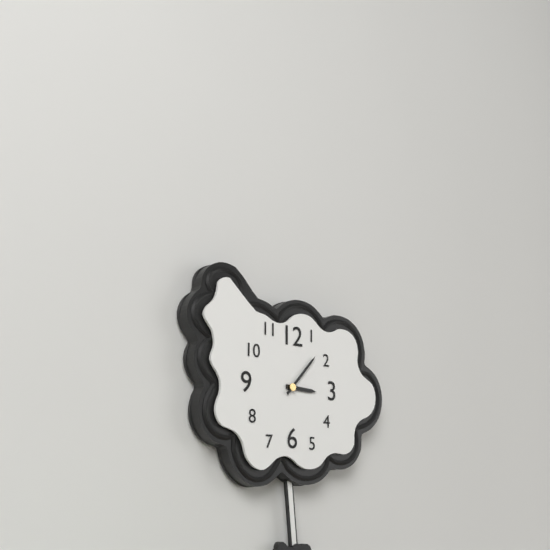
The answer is 3:07
